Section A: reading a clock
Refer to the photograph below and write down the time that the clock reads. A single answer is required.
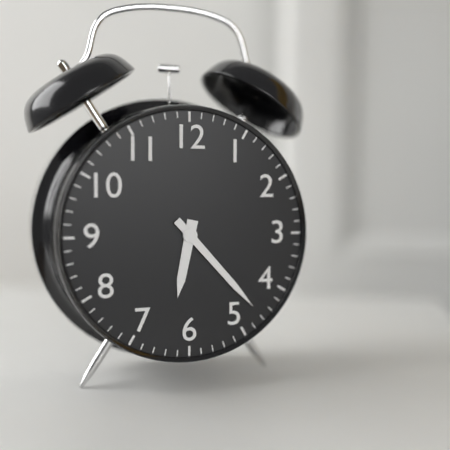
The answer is 6:23
